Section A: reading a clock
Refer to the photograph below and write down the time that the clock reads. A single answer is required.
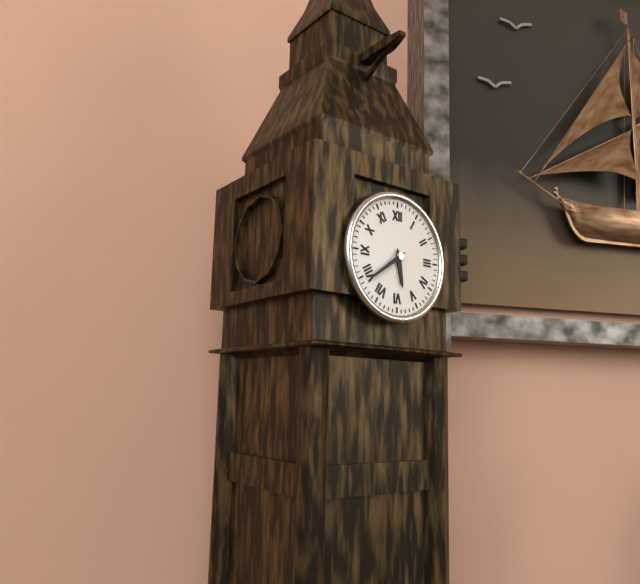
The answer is 5:39
